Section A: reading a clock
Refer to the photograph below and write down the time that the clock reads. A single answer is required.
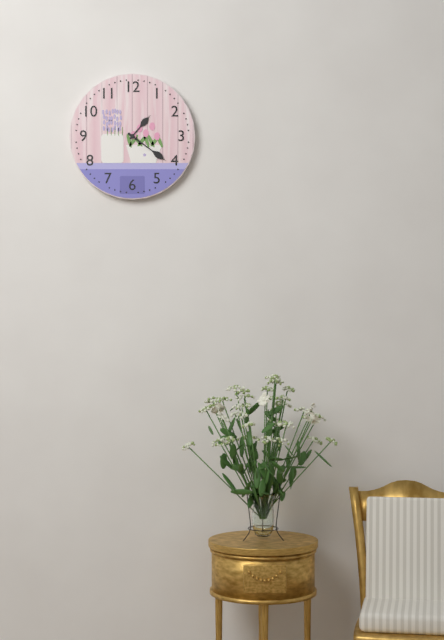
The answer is 1:21
